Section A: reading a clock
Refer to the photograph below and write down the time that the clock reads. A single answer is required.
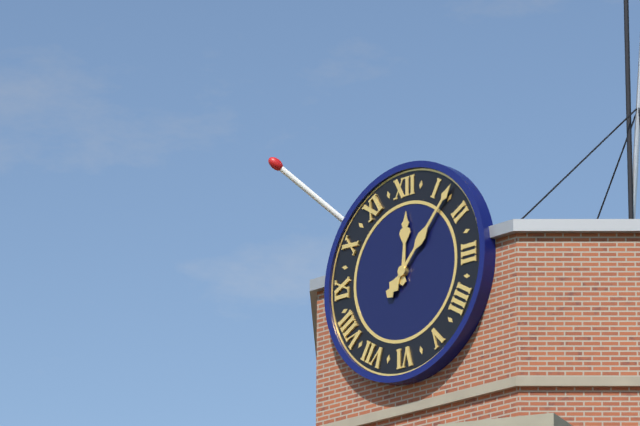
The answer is 12:07
